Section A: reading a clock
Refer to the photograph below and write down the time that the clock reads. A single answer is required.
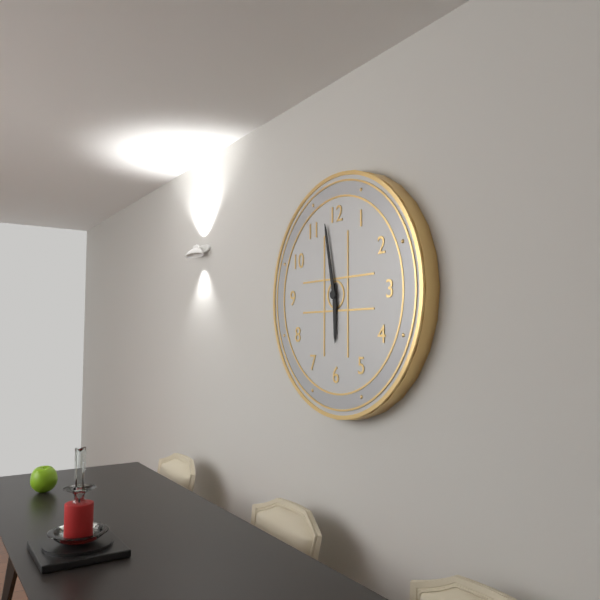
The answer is 5:58
